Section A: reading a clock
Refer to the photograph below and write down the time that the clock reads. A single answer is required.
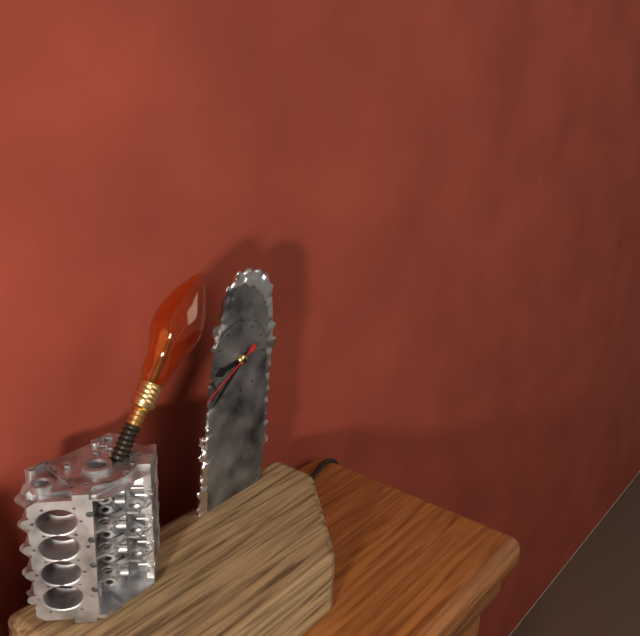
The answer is 8:38:40
